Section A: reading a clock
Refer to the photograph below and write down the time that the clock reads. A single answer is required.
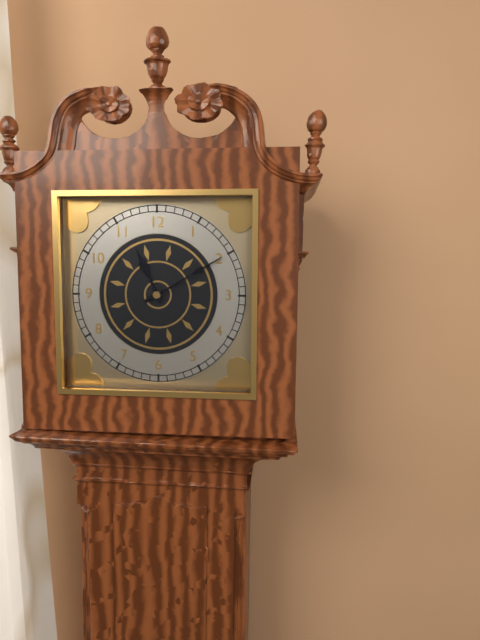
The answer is 11:10
